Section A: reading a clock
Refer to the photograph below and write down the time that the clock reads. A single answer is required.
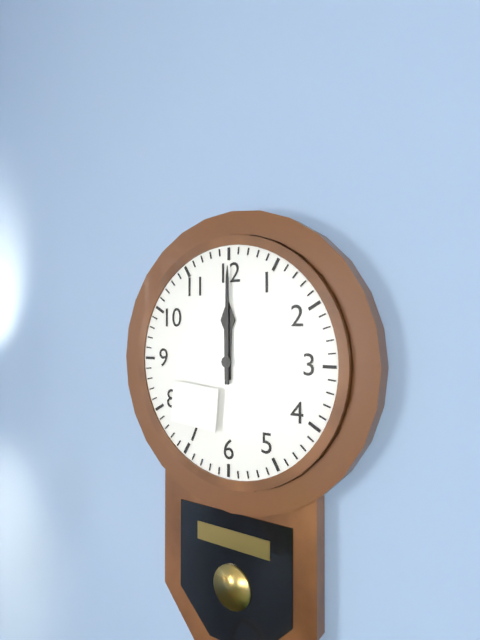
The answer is 12:00
